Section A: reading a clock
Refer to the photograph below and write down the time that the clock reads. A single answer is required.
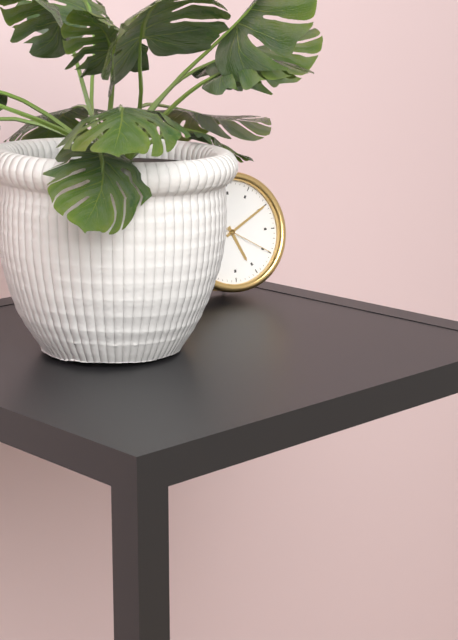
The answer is 5:10:20
